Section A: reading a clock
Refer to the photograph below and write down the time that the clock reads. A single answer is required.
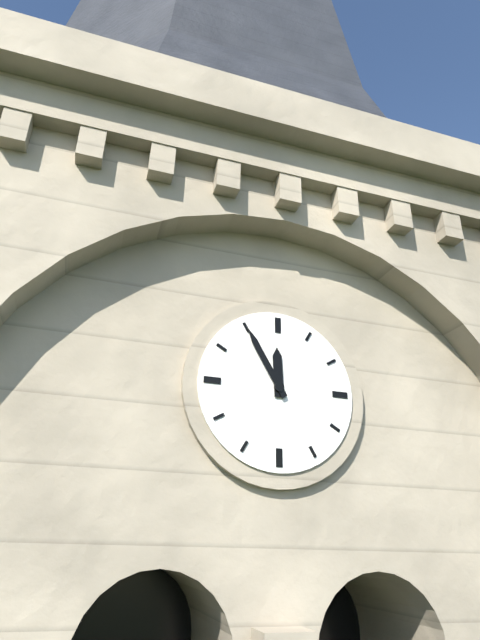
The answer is 11:55
